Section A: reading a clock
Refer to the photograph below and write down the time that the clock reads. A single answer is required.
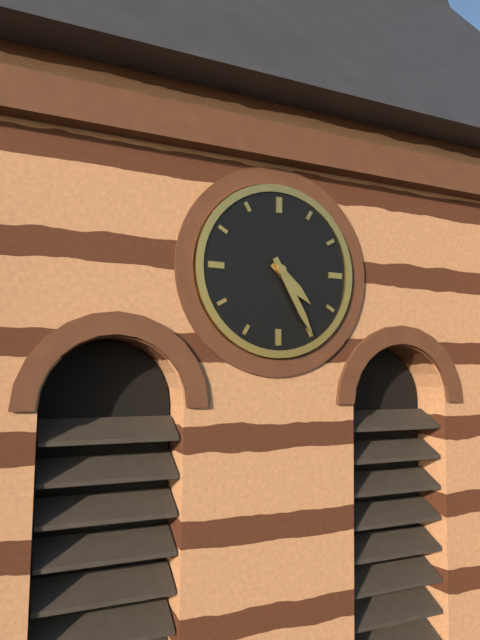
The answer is 4:25
